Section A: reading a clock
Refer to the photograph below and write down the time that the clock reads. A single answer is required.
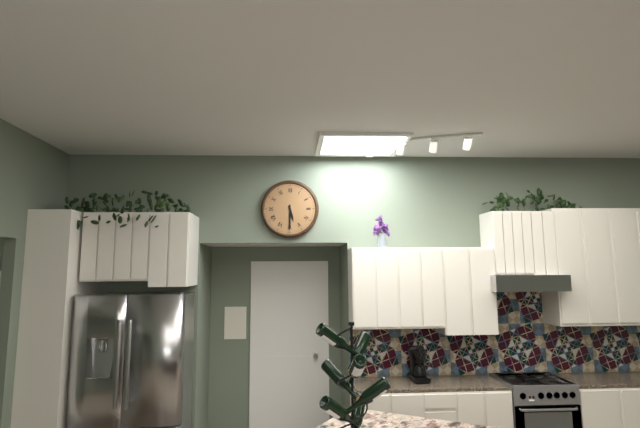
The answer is 5:30
